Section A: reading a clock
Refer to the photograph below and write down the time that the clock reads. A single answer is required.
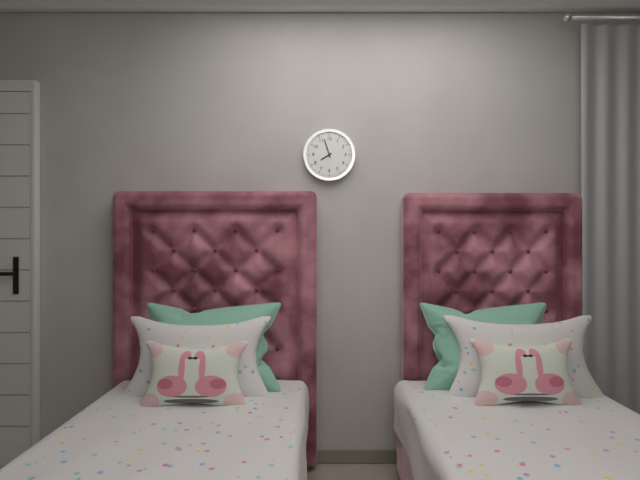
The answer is 7:57
